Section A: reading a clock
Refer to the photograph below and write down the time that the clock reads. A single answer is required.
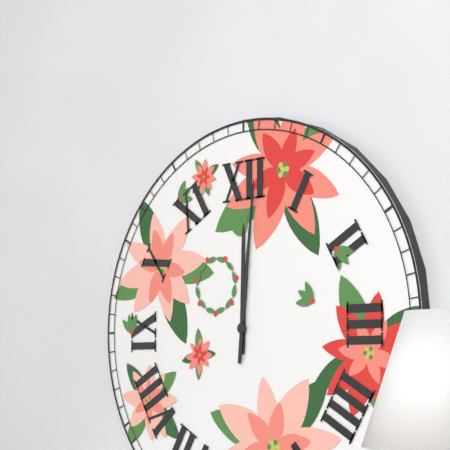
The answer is 12:01
